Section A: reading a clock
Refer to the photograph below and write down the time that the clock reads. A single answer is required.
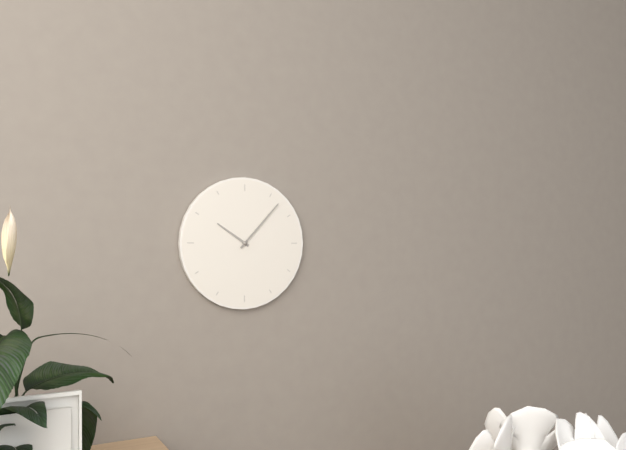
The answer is 10:07
